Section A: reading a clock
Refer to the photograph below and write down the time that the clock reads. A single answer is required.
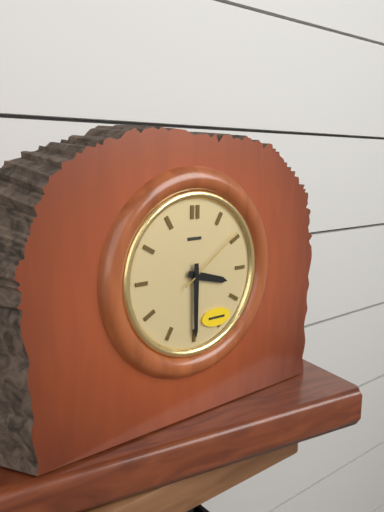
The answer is 3:30:09
